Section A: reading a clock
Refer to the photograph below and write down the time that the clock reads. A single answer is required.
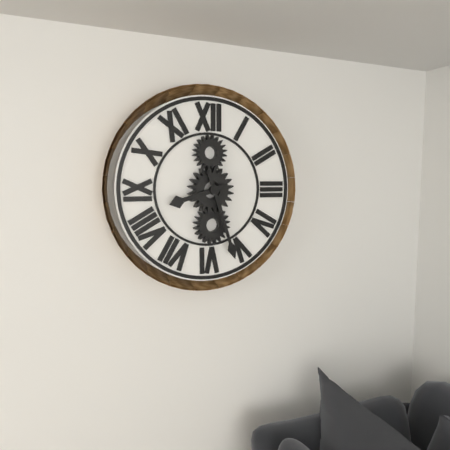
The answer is 8:27
